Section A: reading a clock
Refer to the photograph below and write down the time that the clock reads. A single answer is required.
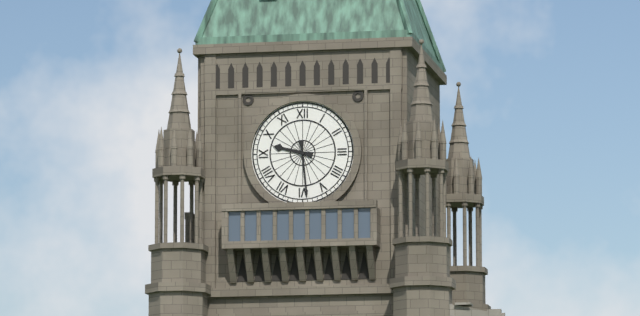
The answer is 9:29
